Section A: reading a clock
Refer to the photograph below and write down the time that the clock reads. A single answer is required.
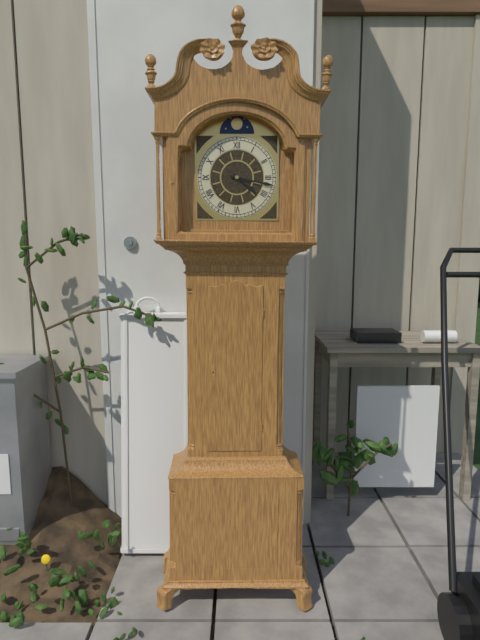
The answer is 4:17
